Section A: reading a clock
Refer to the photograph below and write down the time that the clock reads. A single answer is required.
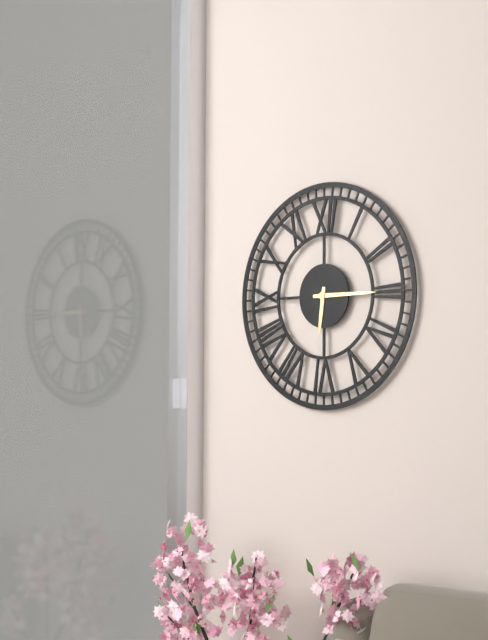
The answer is 6:15
